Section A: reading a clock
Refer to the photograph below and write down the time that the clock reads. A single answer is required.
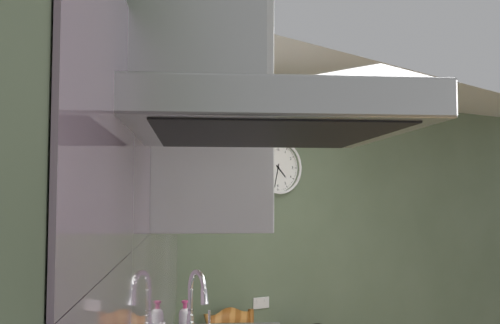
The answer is 4:32
